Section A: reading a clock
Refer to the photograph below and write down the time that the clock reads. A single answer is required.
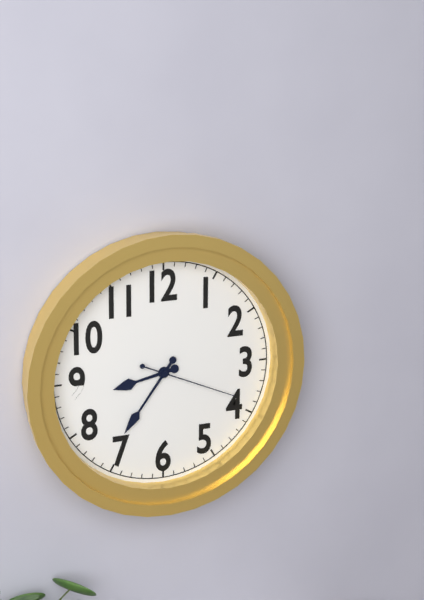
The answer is 8:36:19
